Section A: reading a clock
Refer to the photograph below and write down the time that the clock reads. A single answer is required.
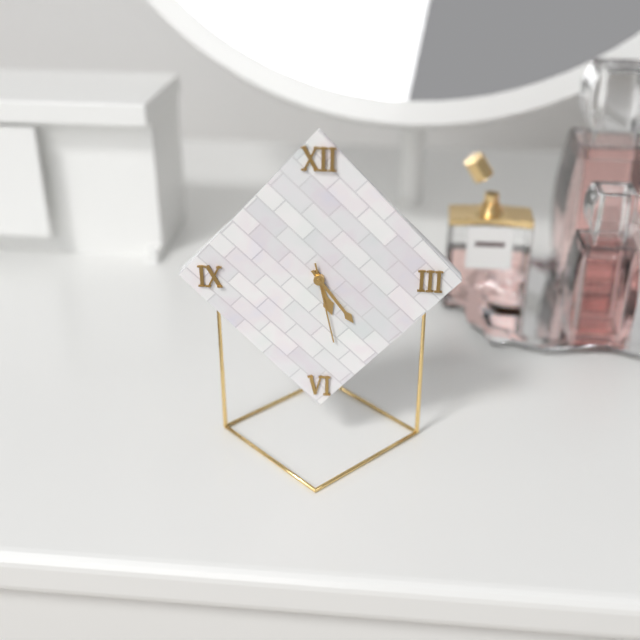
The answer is 5:24:28
